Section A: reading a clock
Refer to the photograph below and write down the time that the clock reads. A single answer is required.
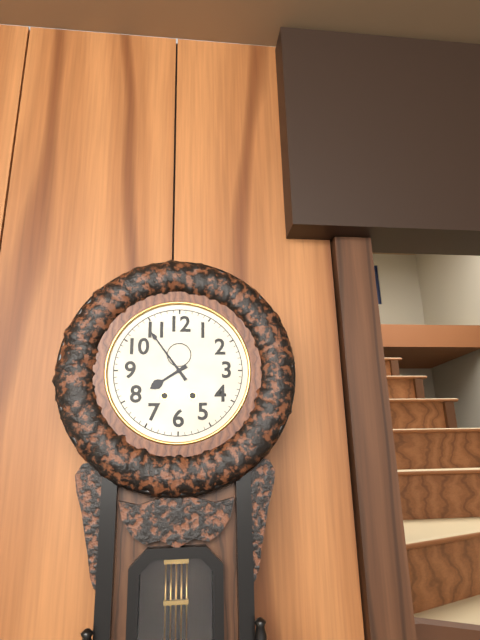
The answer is 7:54
